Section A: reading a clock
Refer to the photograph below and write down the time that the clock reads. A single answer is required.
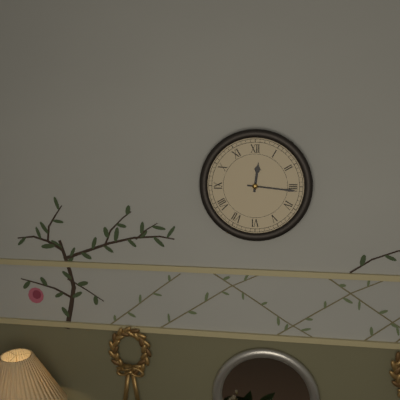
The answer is 12:16
